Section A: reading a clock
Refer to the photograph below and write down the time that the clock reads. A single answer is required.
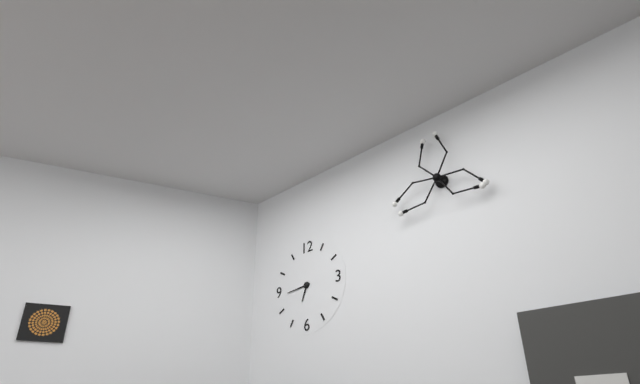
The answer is 6:44
